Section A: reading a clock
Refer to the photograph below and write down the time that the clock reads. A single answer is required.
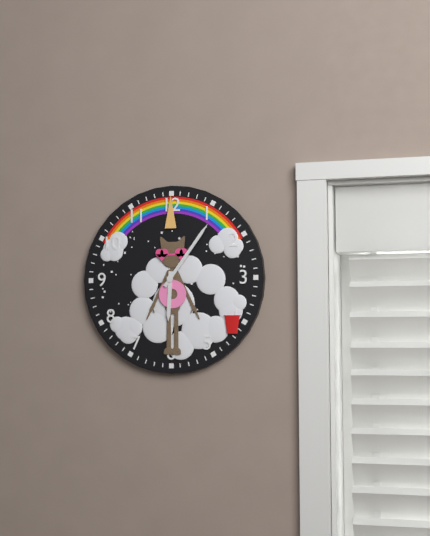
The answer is 6:06
